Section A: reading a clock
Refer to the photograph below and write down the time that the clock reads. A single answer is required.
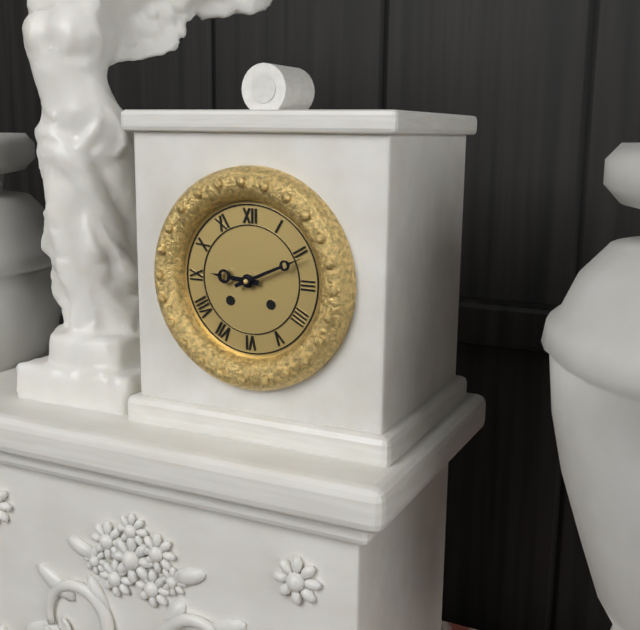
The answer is 9:11
